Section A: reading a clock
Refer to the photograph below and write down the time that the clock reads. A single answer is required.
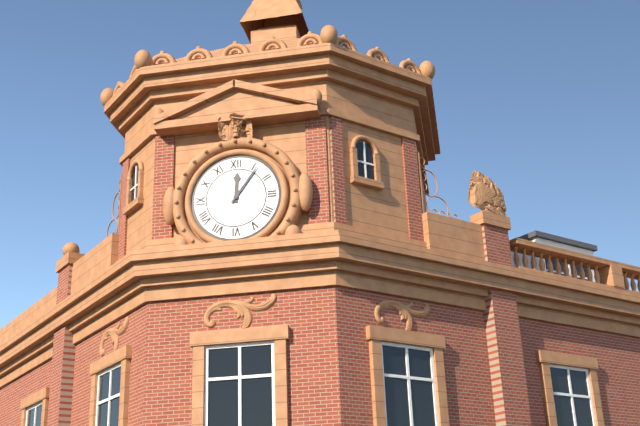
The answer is 12:06
